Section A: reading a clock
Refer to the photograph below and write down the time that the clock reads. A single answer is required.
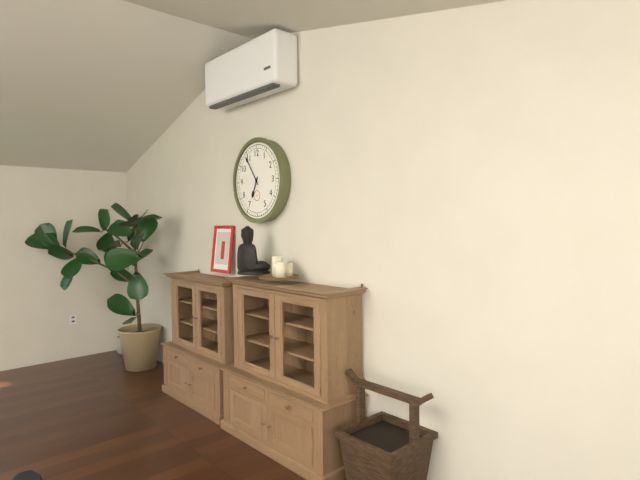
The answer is 6:54
